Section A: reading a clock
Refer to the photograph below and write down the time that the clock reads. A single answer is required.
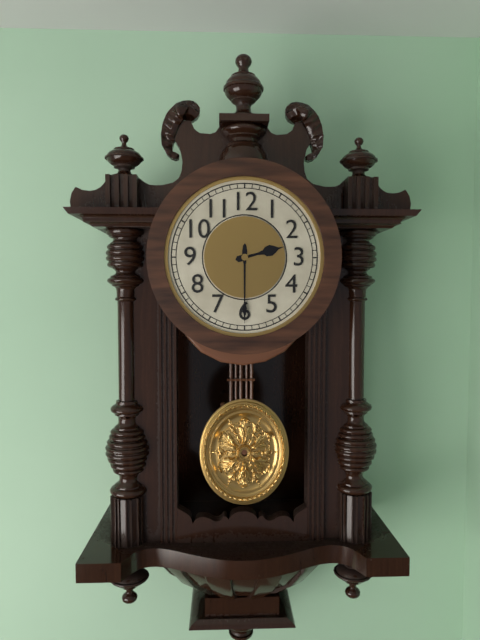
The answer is 2:30
